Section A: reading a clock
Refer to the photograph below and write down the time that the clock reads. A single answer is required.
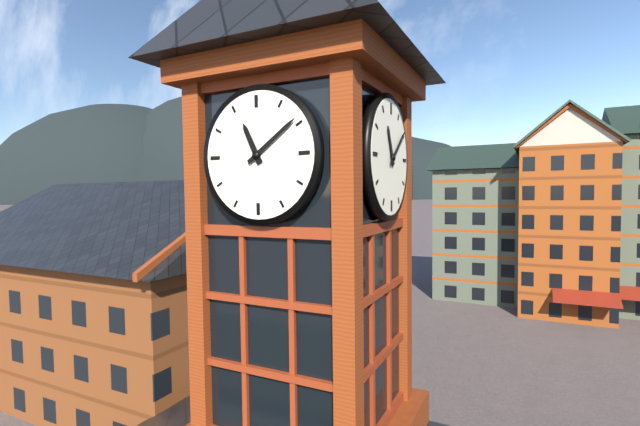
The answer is 11:09
